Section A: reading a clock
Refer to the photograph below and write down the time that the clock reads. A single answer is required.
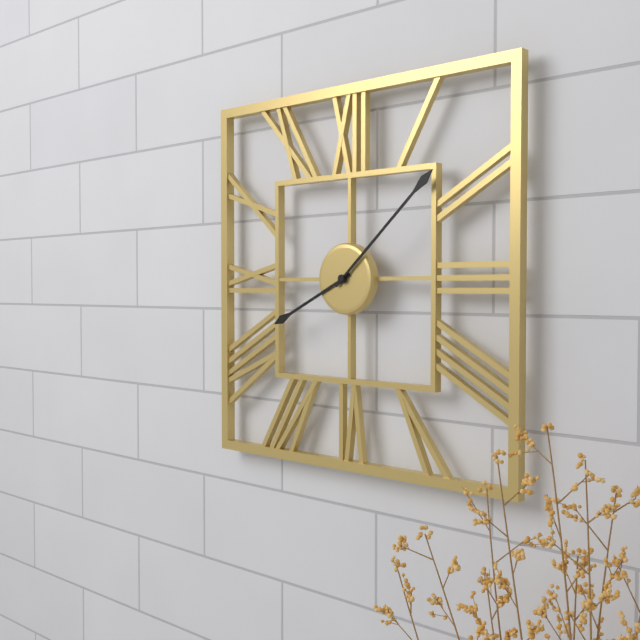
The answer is 8:08
